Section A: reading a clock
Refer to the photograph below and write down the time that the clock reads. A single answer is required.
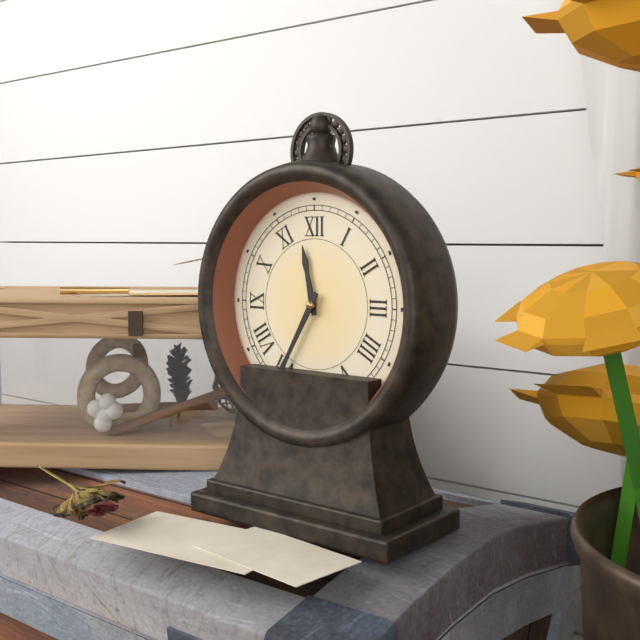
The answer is 11:35
